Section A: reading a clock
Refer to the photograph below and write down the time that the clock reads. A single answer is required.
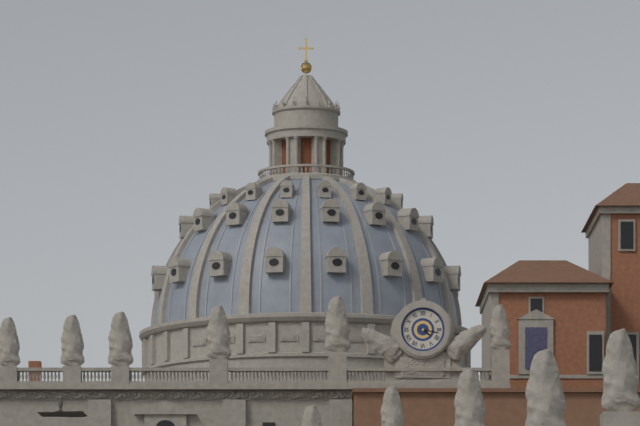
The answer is 4:17
